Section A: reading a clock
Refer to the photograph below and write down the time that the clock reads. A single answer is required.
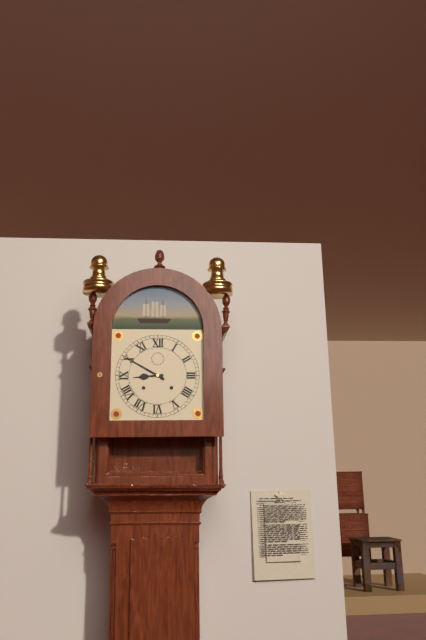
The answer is 8:50
